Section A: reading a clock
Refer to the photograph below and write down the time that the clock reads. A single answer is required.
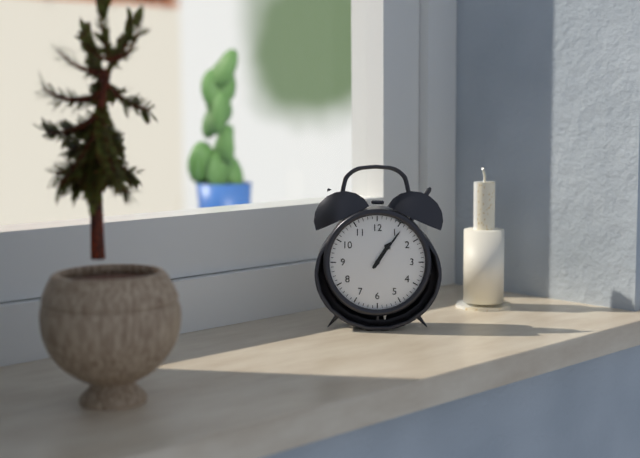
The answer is 1:06
